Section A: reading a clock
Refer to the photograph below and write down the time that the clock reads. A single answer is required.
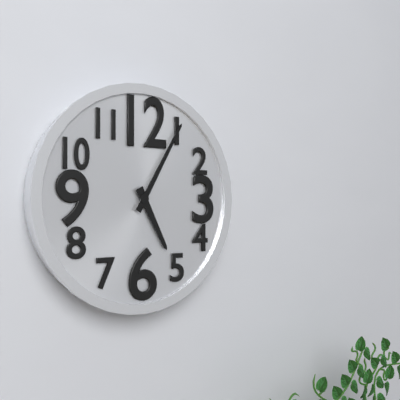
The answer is 5:05
